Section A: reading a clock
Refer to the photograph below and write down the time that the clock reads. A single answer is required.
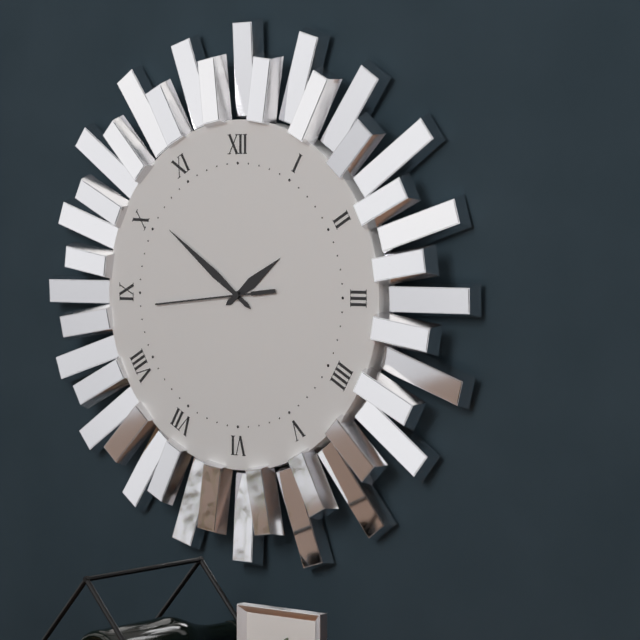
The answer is 1:51:44
